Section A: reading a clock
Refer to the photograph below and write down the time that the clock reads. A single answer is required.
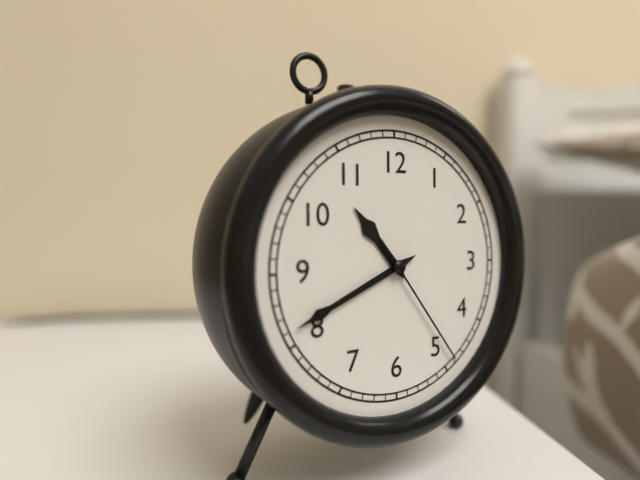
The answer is 10:41:24
